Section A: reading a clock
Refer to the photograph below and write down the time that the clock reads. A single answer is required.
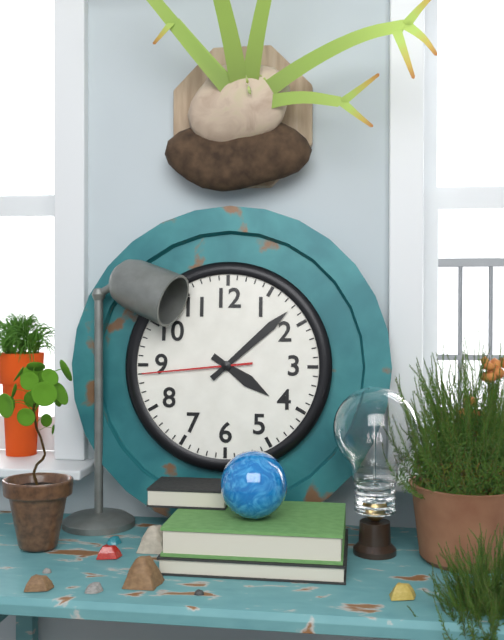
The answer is 4:08:44
